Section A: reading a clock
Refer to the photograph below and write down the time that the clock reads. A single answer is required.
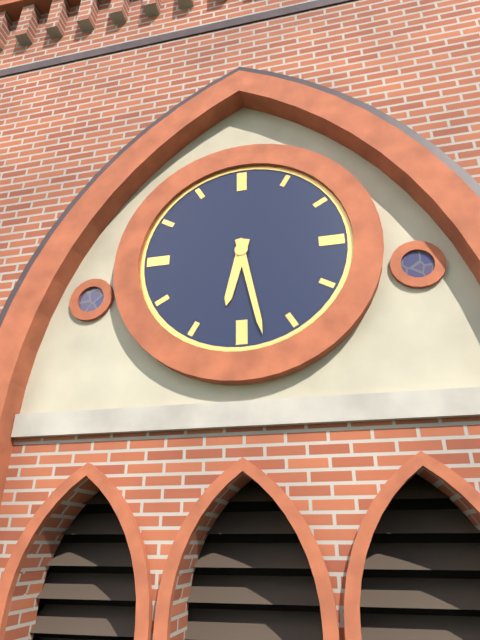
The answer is 6:28
